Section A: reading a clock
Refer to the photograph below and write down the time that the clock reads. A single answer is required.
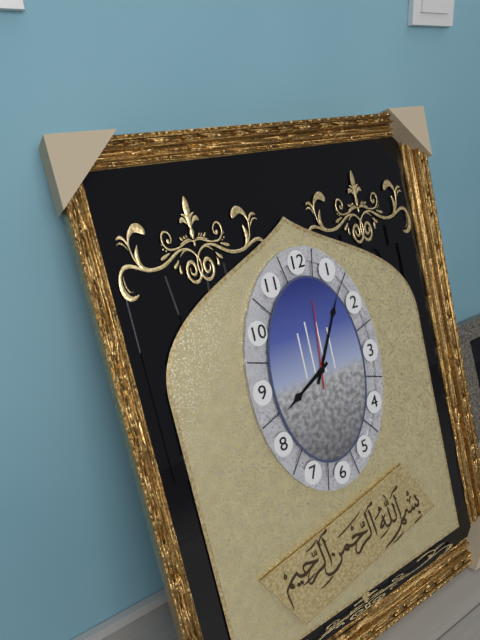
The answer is 8:05:01
